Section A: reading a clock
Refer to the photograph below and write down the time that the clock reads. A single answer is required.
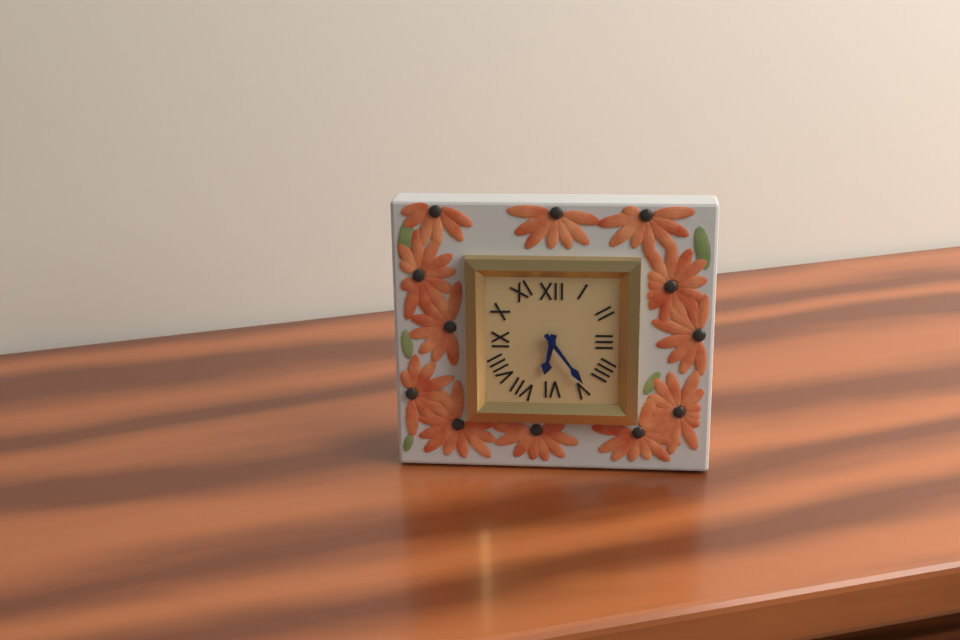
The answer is 6:24
